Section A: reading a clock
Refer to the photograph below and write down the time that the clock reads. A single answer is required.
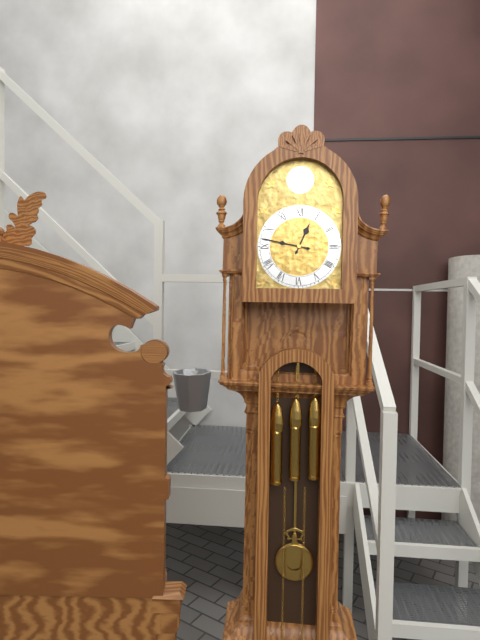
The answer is 12:47
